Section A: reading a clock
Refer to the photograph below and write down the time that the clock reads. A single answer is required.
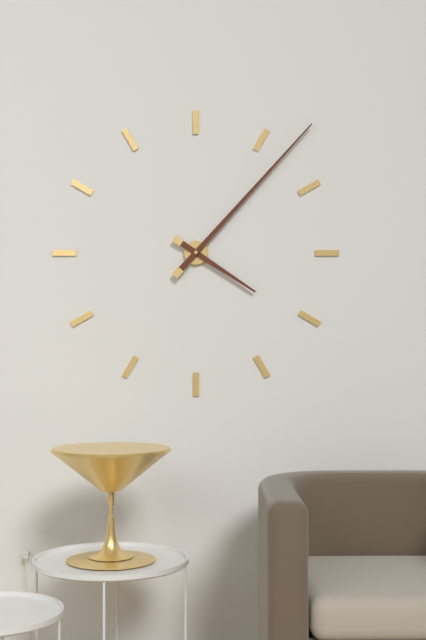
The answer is 4:07
